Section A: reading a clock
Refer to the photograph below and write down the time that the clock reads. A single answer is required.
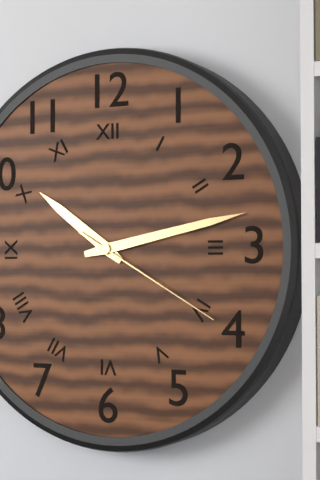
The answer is 10:13:20
